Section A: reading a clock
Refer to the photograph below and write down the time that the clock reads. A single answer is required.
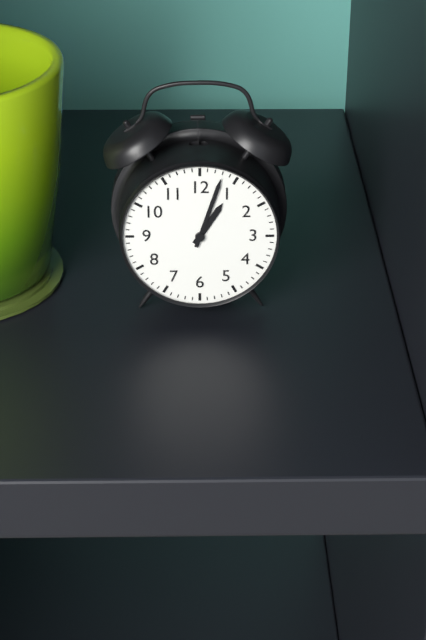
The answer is 1:03
